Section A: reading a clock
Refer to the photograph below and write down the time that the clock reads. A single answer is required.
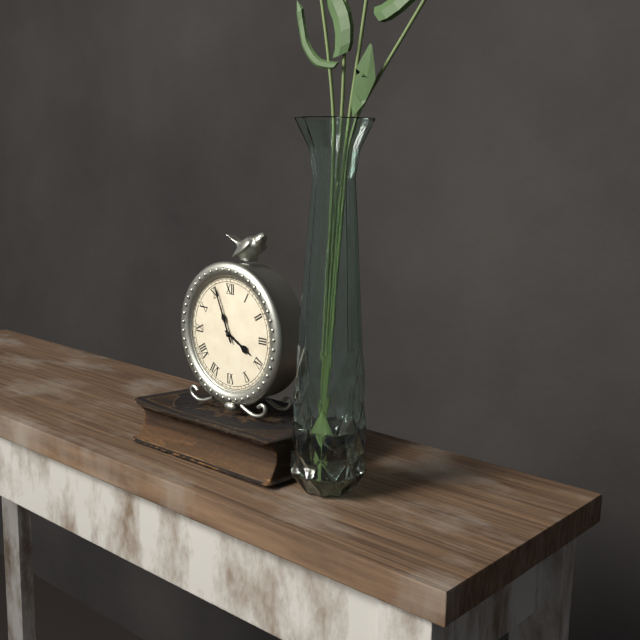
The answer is 3:56
